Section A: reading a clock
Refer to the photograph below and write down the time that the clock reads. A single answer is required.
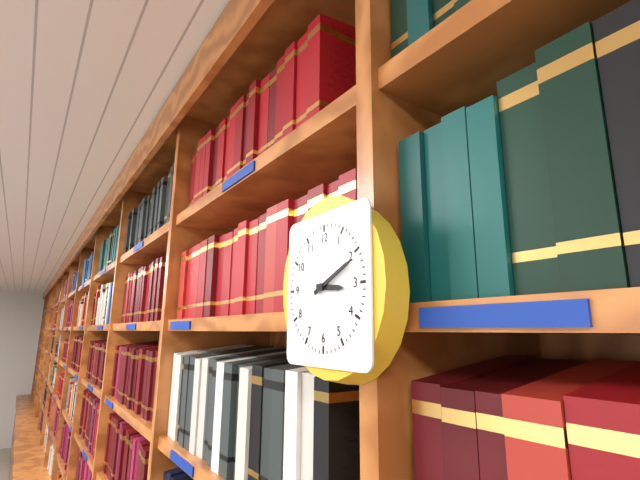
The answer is 3:11
